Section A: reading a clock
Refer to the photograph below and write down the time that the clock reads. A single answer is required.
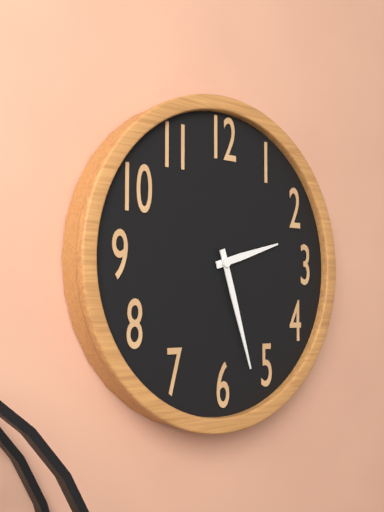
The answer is 2:27
